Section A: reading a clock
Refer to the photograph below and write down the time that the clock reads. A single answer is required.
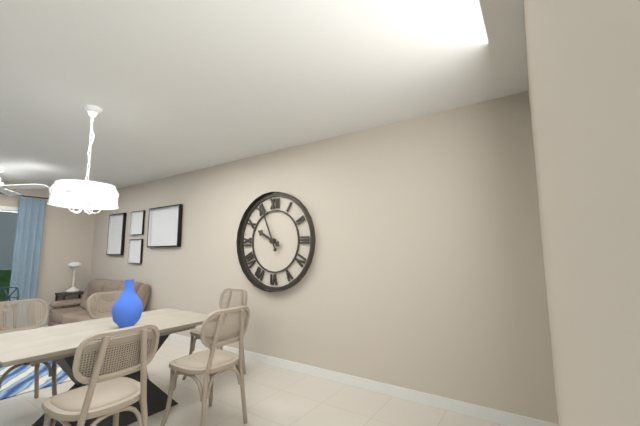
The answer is 9:56
